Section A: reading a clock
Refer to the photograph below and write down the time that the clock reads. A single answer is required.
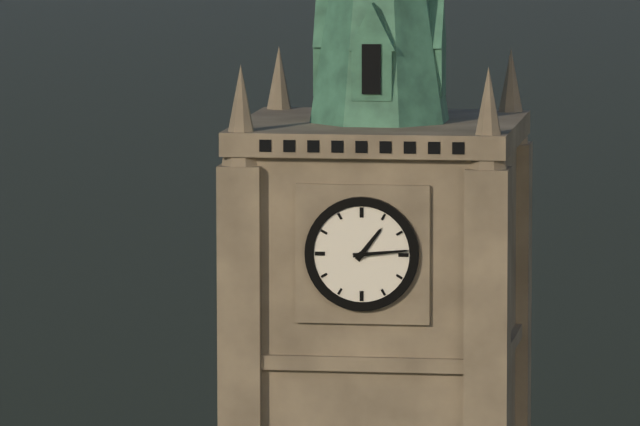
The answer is 1:14
